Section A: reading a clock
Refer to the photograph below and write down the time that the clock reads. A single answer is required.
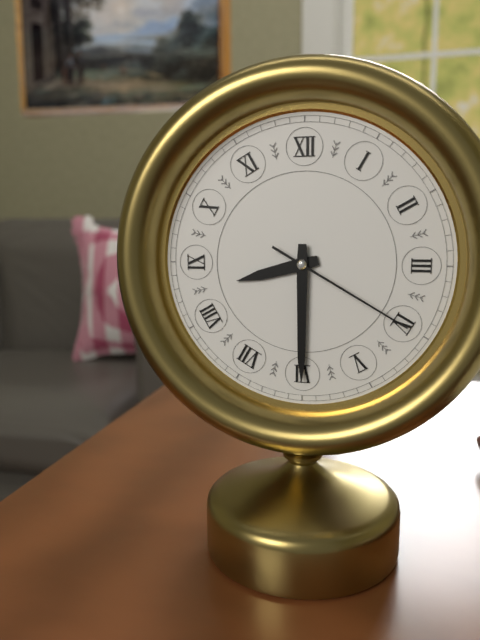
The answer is 8:30:20
